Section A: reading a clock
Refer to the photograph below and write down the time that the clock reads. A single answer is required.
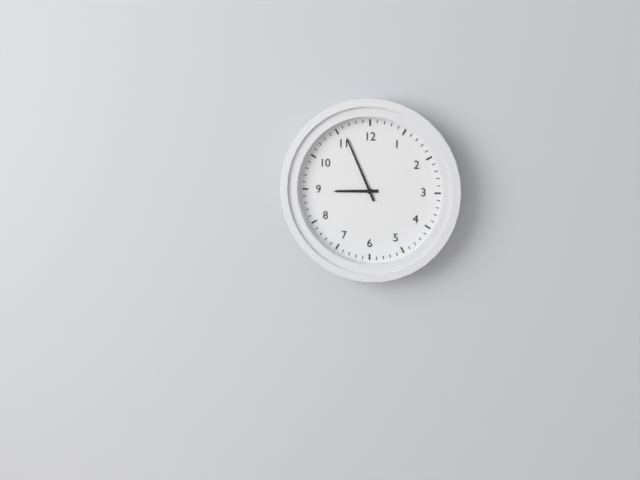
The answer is 8:56
